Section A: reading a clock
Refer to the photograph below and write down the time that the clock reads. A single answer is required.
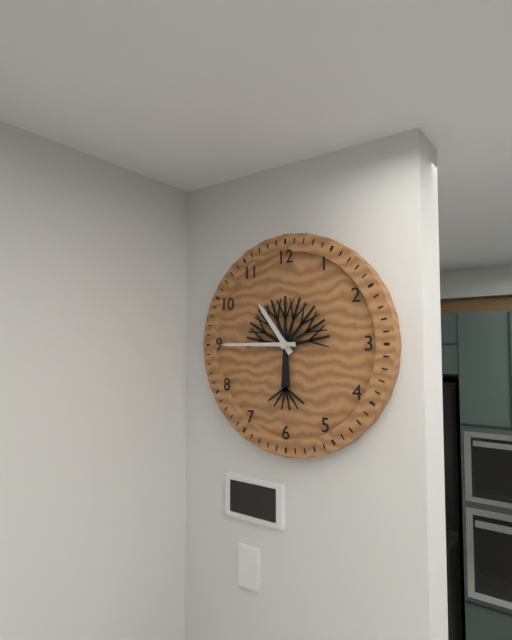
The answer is 10:45
